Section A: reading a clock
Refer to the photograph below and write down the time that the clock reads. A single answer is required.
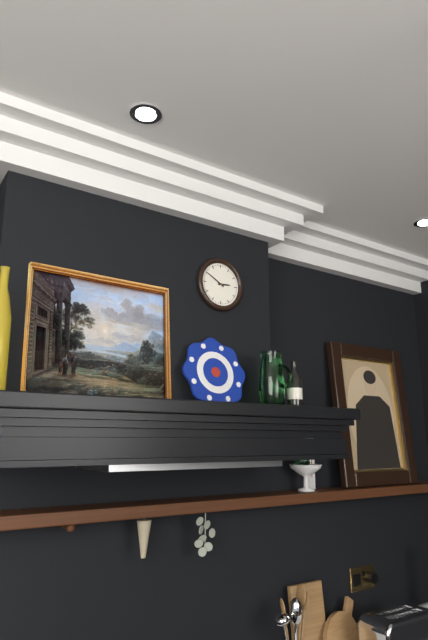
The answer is 2:50
